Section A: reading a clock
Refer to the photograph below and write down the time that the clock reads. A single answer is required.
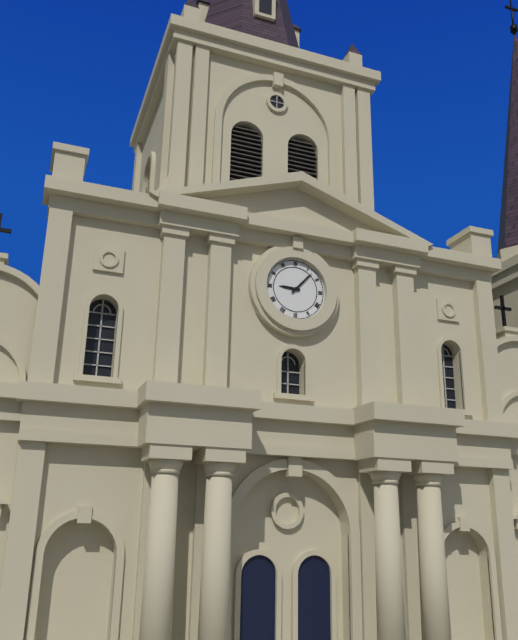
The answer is 9:07
